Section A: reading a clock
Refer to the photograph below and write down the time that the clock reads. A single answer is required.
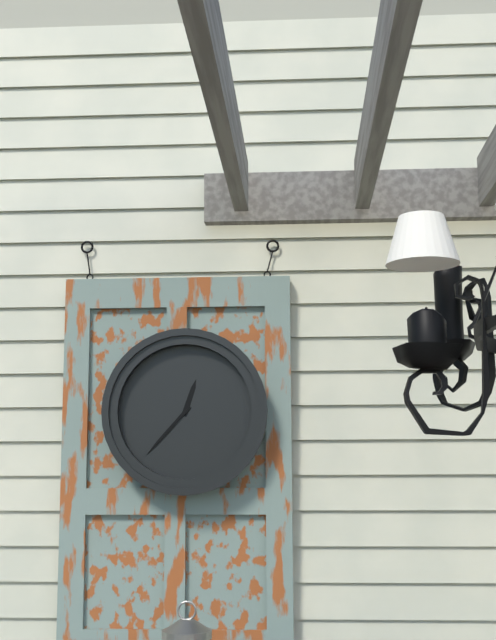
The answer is 12:37
